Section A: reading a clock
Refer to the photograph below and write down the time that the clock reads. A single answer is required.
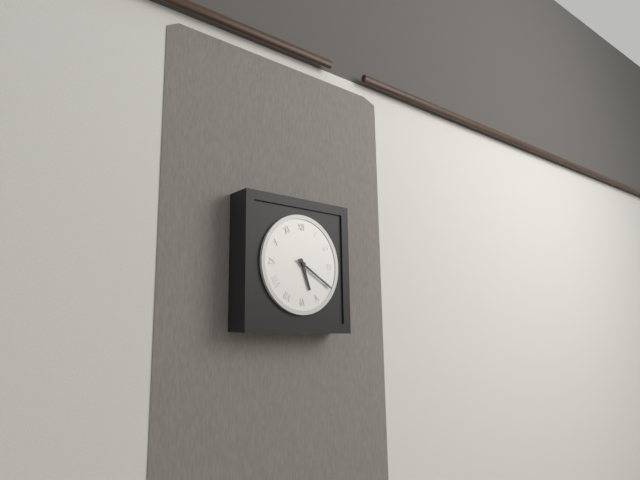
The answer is 5:20
